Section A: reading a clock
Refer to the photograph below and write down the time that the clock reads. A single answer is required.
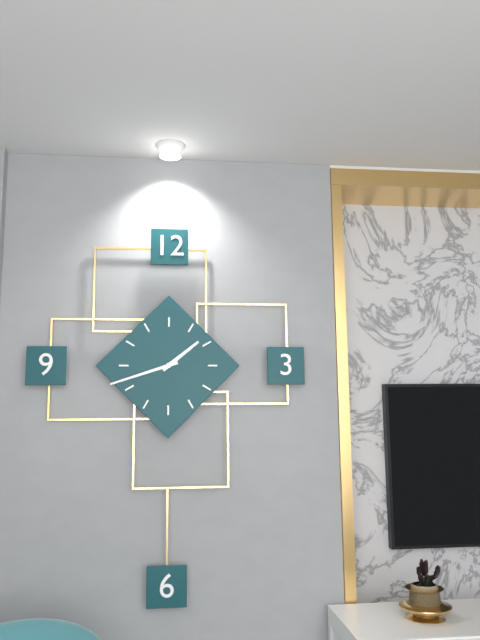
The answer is 1:42
